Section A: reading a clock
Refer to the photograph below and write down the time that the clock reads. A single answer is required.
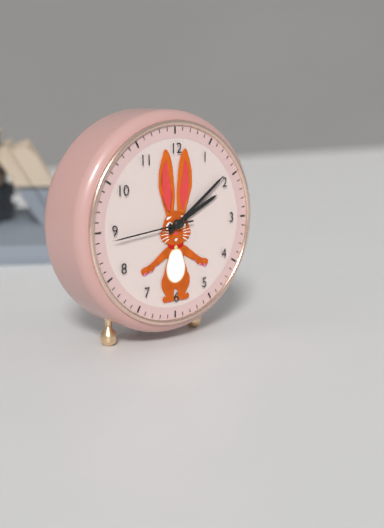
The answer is 2:09:44
